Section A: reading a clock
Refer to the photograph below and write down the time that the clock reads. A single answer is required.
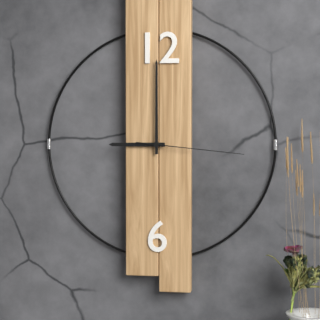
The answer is 9:00:16
